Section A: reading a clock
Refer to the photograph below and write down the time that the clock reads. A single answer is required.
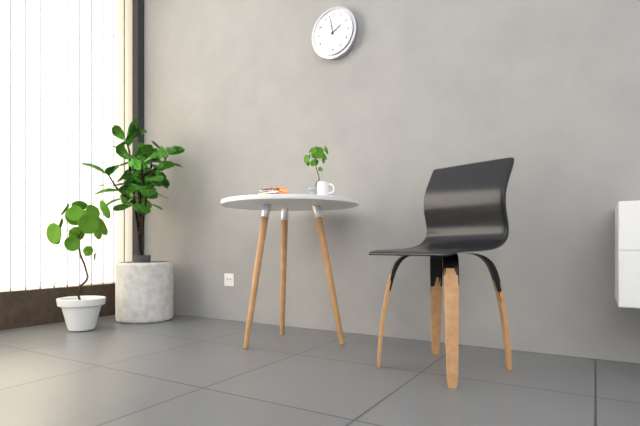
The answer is 1:58
